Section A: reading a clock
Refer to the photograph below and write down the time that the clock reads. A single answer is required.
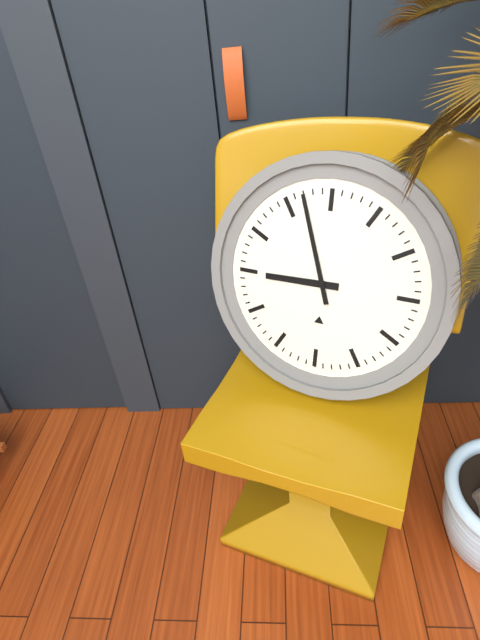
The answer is 8:57
